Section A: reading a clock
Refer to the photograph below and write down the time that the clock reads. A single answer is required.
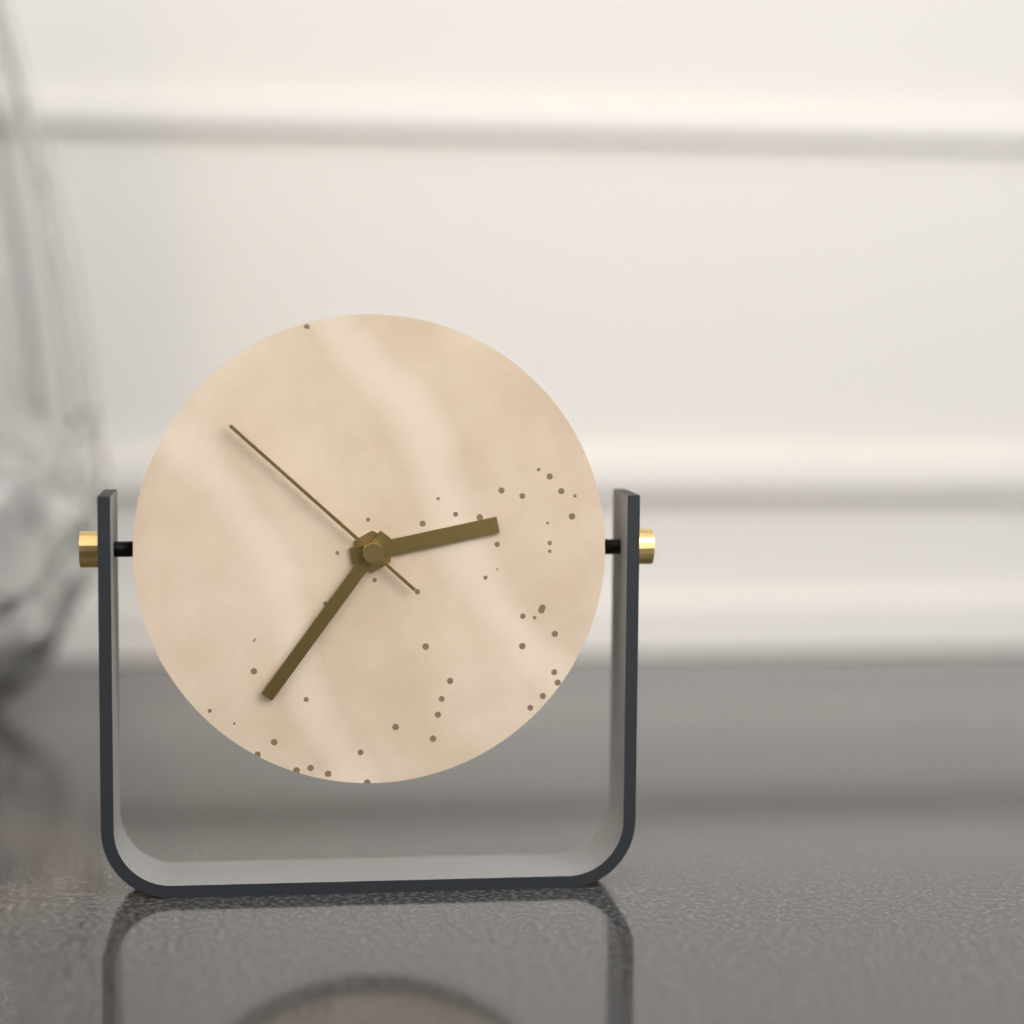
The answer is 2:36:52
